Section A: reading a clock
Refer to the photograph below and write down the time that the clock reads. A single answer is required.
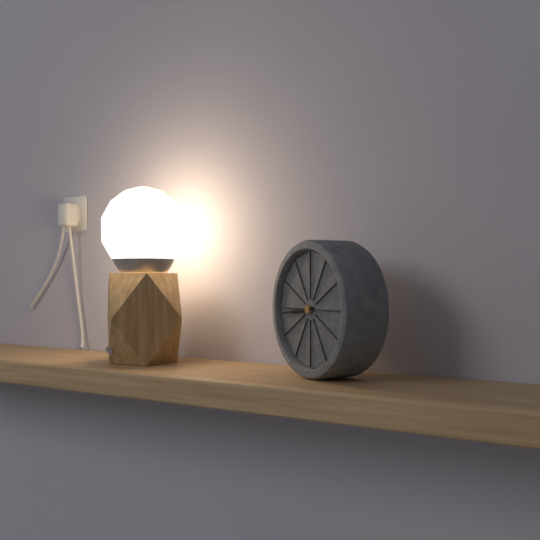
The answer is 8:44
